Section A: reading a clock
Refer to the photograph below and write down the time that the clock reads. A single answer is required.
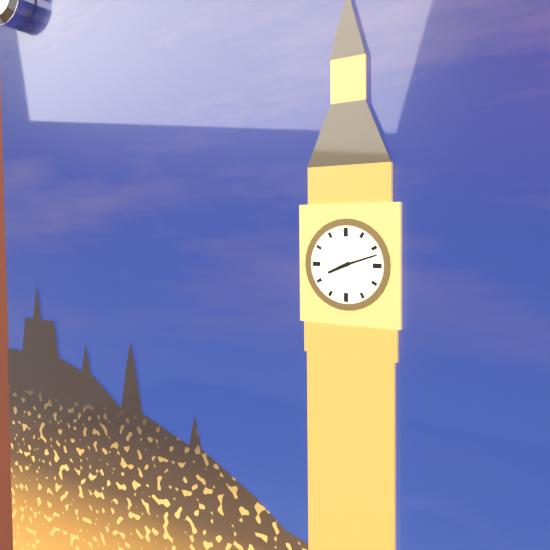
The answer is 8:12
